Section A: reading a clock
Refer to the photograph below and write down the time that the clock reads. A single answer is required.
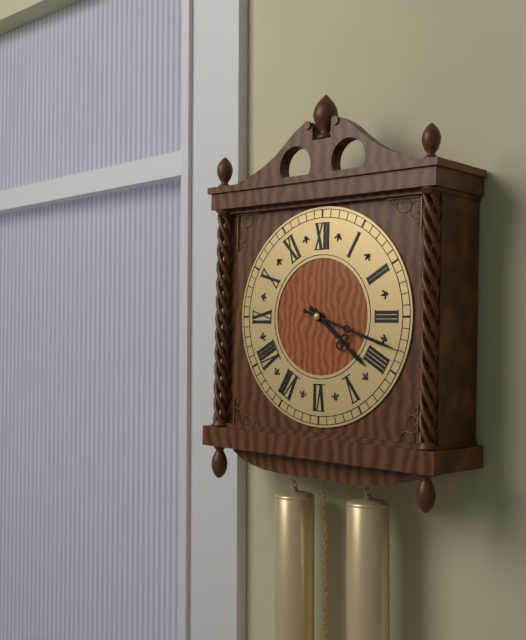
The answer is 4:18
